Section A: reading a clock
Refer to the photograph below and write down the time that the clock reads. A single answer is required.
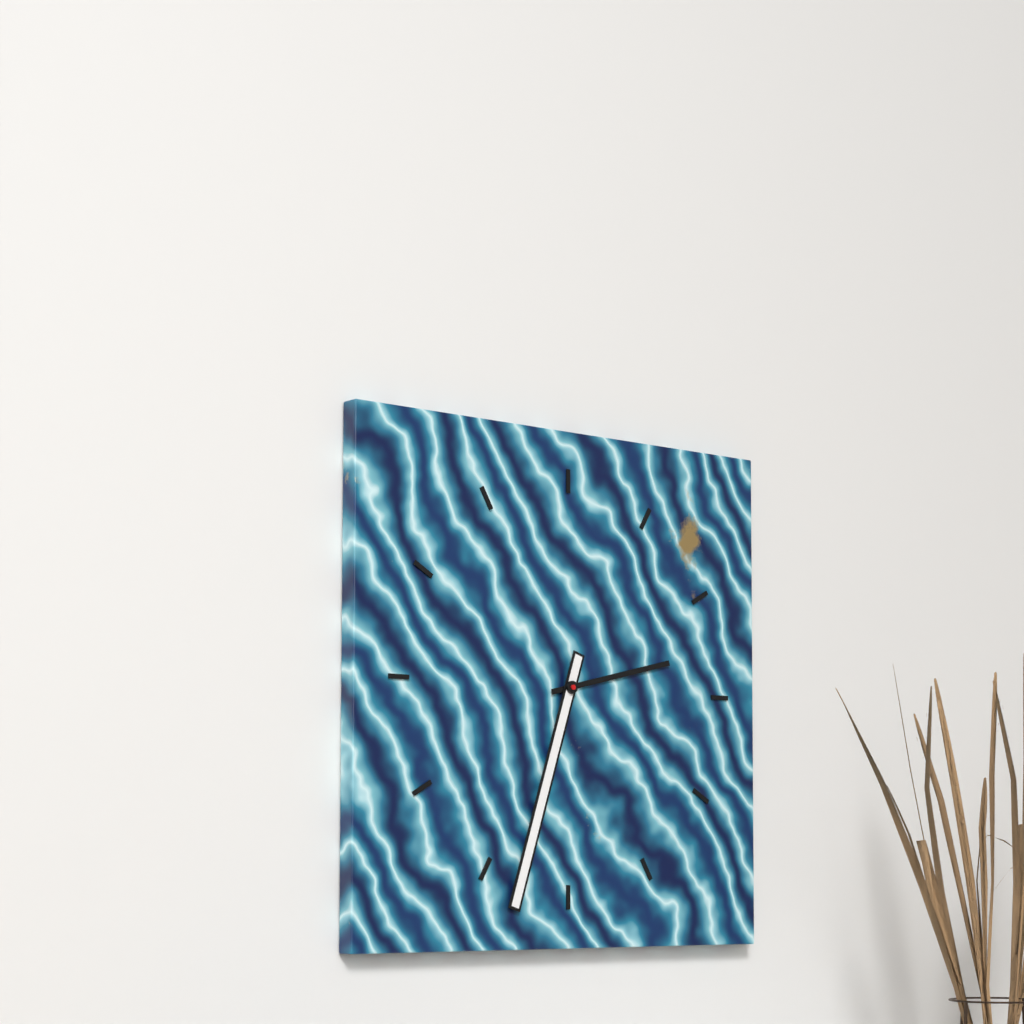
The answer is 2:33
